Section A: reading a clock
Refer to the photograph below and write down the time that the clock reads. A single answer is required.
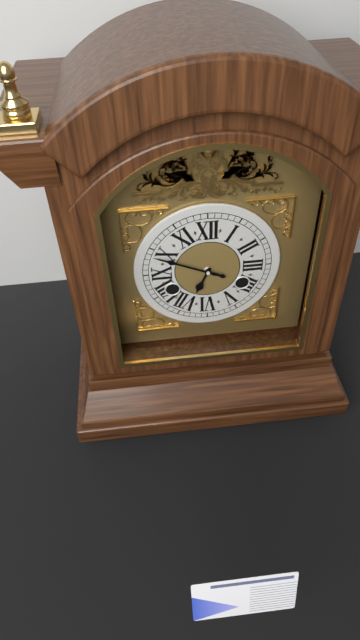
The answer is 6:49
